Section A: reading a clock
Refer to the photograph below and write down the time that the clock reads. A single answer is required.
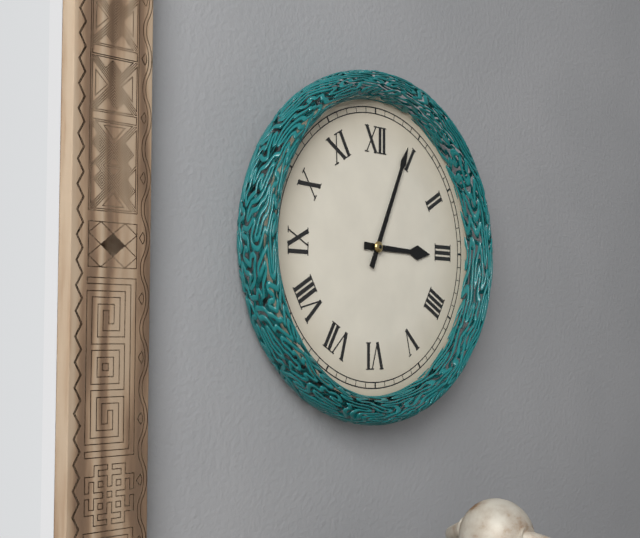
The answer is 3:04
